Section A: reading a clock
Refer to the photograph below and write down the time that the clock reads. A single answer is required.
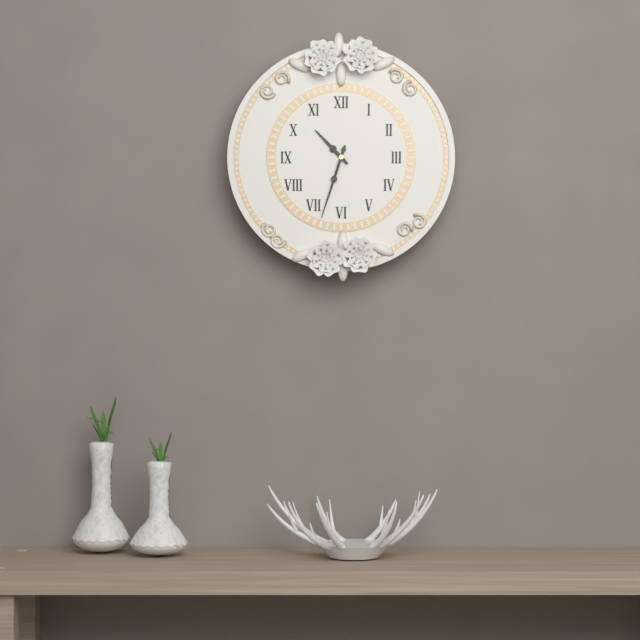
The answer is 10:33
